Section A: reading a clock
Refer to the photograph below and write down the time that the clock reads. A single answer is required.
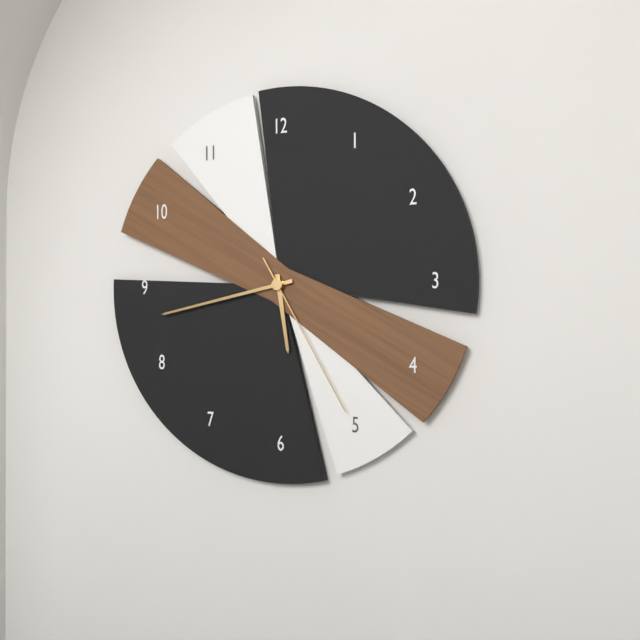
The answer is 5:43:25
